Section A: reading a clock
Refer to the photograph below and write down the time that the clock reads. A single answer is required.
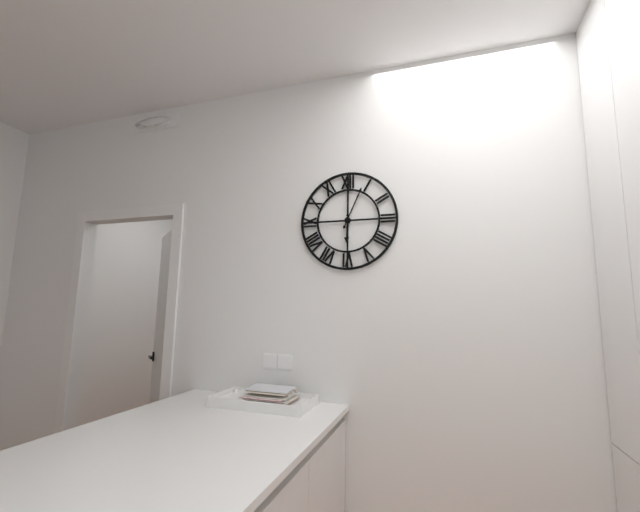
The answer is 6:04
